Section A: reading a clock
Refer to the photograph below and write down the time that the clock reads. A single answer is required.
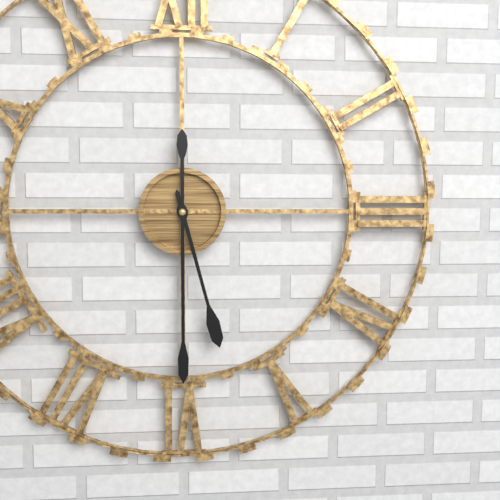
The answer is 5:30
